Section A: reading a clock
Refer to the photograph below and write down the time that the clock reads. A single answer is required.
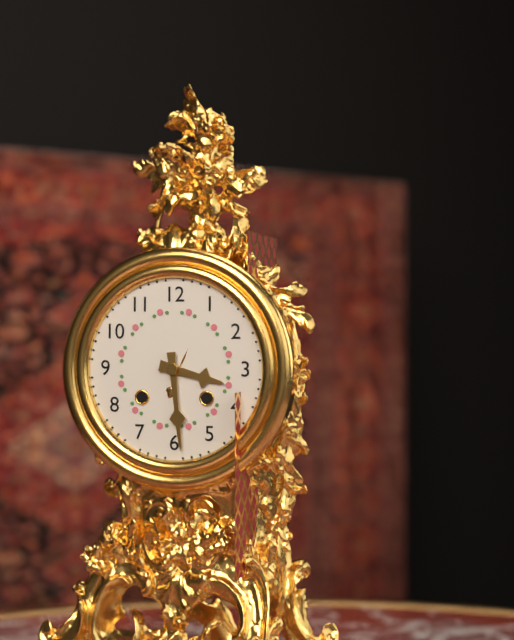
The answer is 3:29
